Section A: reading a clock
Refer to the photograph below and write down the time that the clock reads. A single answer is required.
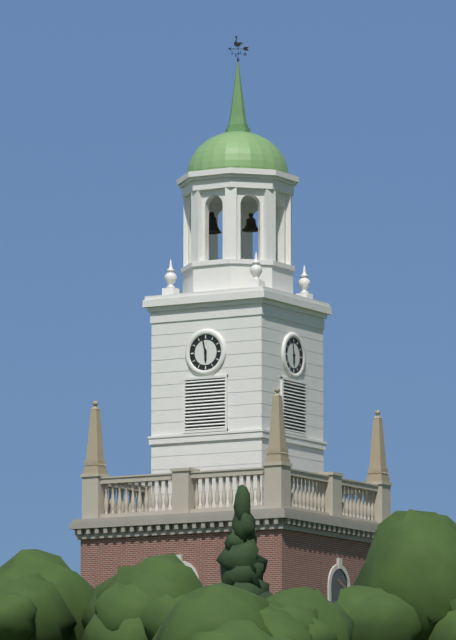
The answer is 5:58
